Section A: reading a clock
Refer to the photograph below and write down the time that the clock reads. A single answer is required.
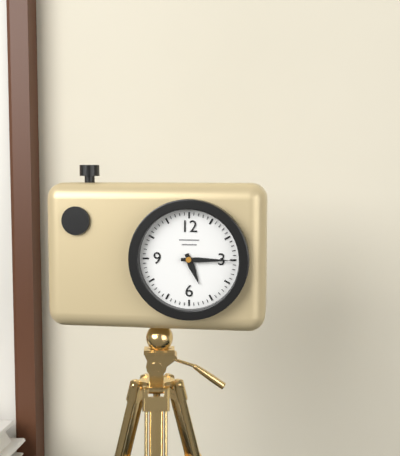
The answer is 5:15
